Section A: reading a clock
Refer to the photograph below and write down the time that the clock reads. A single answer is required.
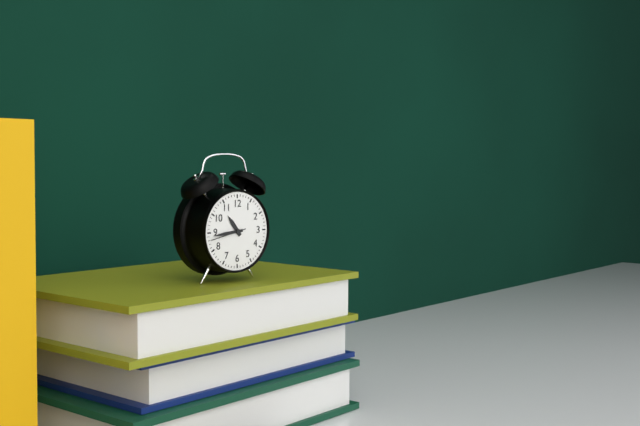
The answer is 10:44
